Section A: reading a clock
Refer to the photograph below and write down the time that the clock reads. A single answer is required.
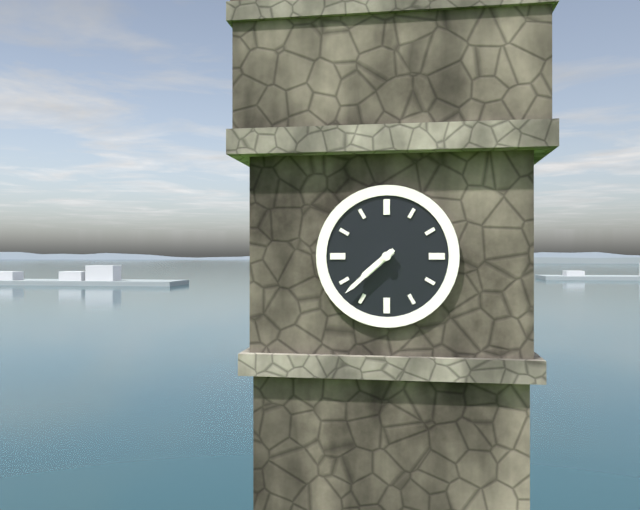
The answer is 7:38
